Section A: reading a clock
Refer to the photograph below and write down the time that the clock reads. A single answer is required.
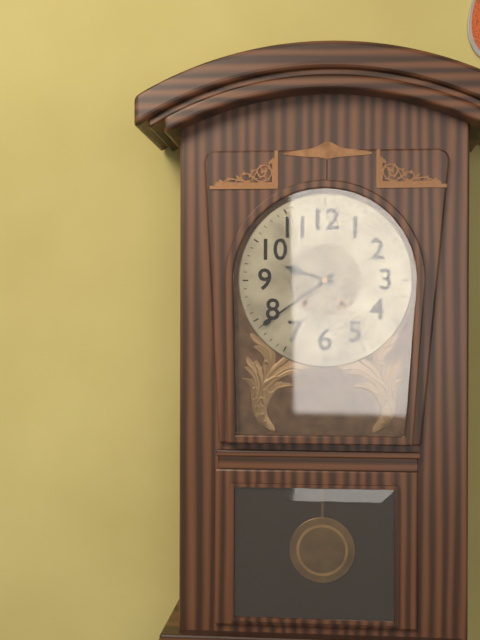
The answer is 9:39
